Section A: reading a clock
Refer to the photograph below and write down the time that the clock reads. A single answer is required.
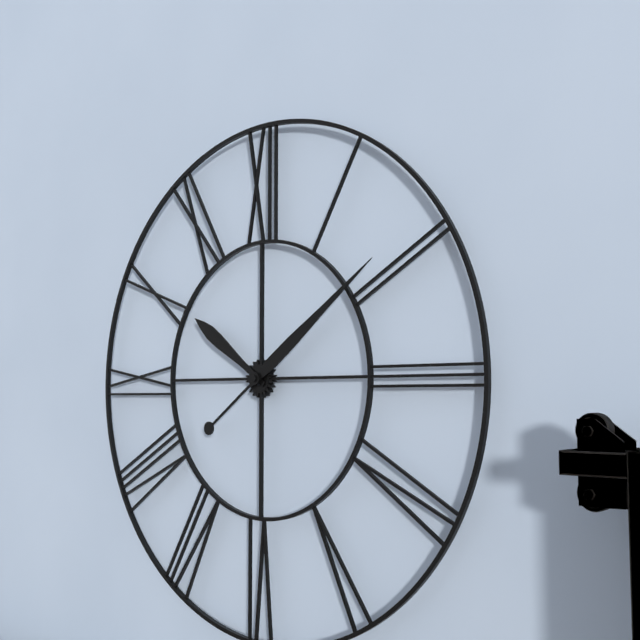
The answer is 10:09
